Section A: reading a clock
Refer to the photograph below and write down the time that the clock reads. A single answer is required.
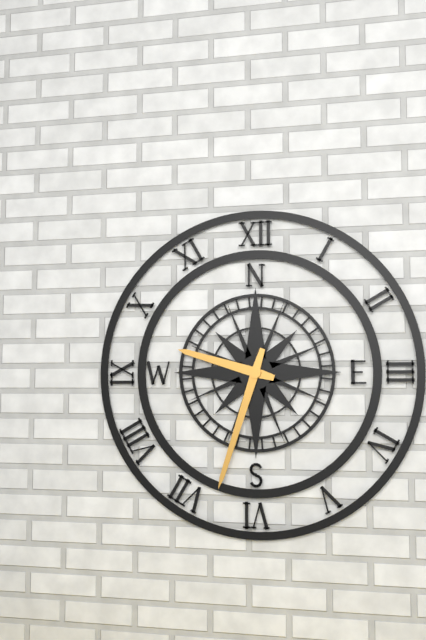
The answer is 9:33
